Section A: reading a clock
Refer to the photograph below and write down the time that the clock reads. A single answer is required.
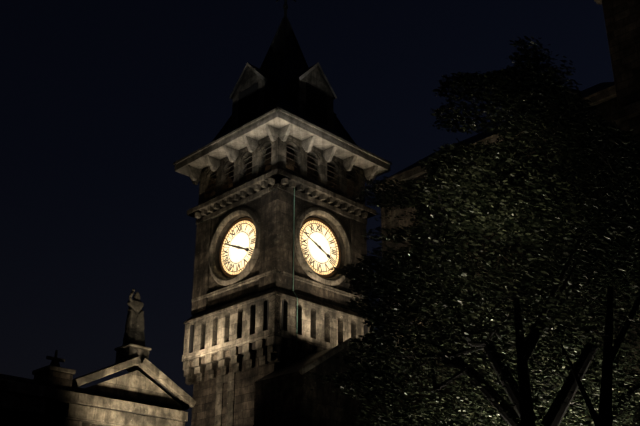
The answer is 3:49
